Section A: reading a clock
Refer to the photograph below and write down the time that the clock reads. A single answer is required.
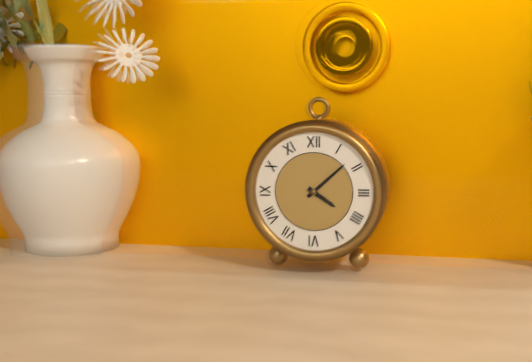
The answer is 4:08
